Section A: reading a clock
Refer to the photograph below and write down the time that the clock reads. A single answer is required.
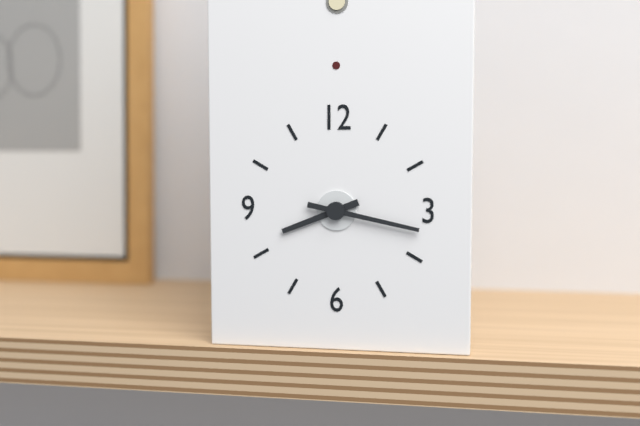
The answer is 8:17
